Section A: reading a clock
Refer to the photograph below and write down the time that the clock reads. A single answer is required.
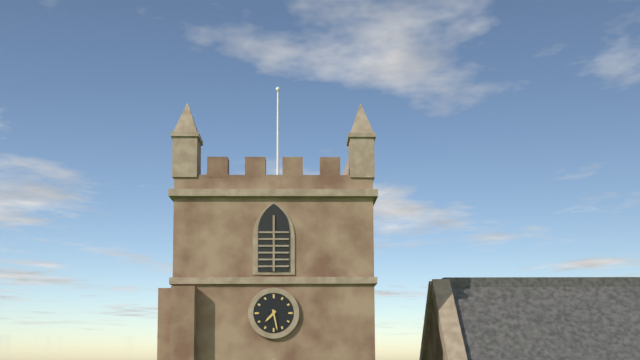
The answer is 7:28
